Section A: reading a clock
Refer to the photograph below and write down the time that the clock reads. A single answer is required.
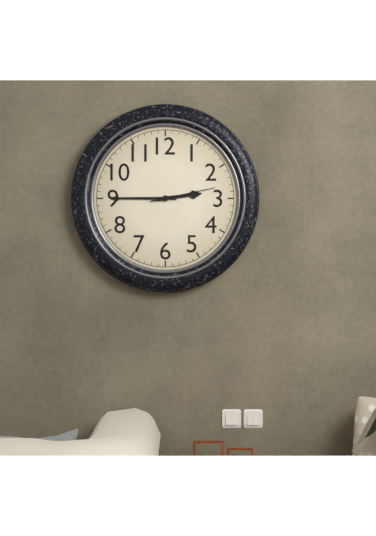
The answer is 2:45:13
